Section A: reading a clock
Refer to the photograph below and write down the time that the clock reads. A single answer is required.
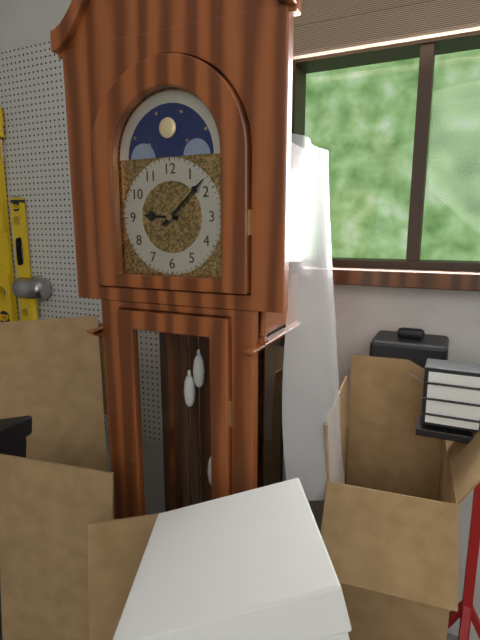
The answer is 9:08
